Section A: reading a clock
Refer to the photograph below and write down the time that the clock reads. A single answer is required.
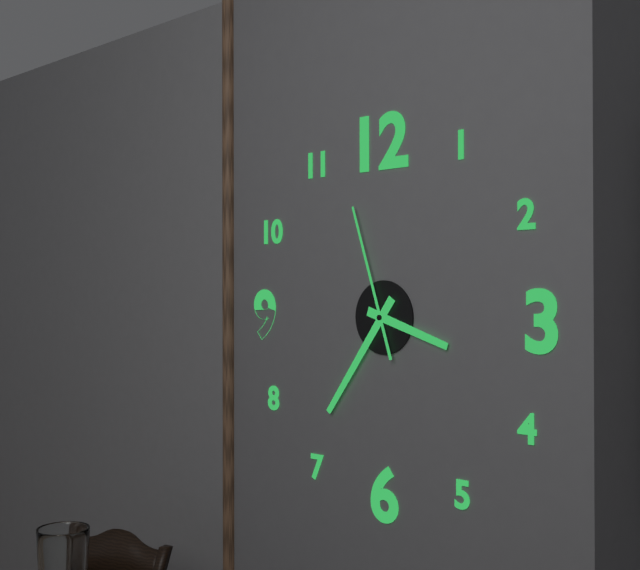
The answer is 3:36:57
